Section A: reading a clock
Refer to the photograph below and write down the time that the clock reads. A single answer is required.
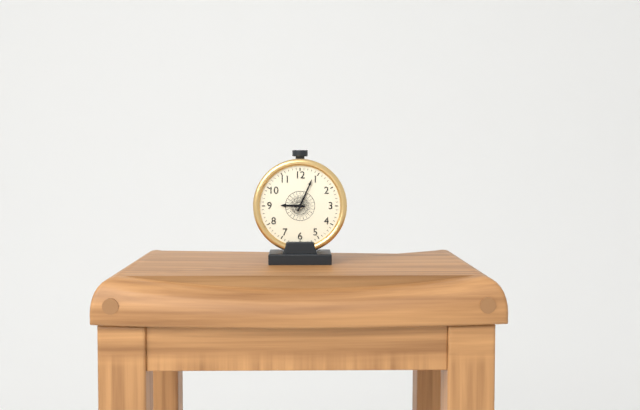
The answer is 9:04
